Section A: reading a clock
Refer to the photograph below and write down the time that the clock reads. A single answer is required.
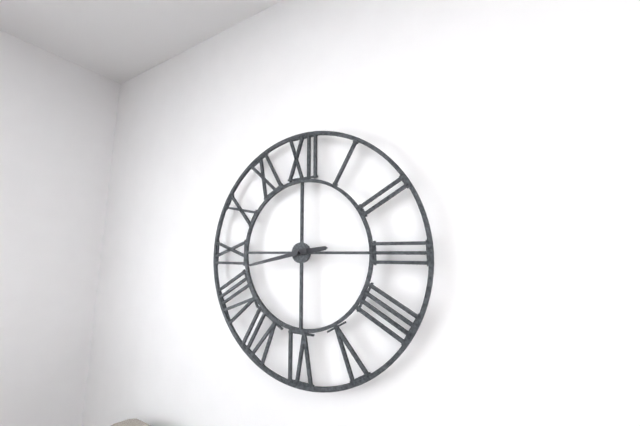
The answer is 2:43
